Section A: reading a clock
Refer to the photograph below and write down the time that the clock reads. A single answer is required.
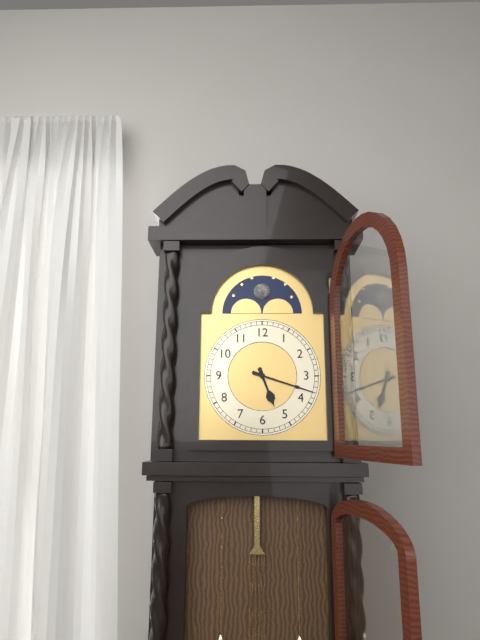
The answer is 5:18
